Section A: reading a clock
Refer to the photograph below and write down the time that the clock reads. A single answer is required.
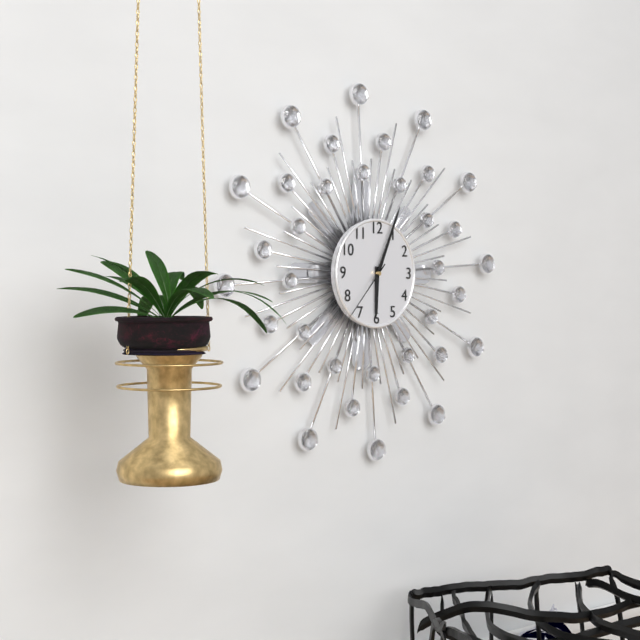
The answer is 6:04:37
